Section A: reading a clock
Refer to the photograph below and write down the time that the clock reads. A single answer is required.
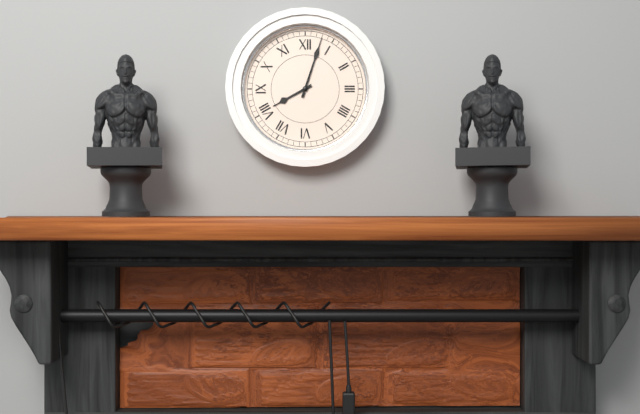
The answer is 8:03
